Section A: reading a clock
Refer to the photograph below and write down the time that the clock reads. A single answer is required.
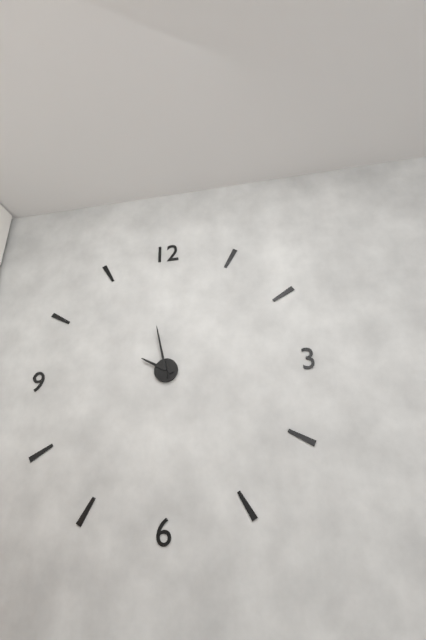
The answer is 9:58
